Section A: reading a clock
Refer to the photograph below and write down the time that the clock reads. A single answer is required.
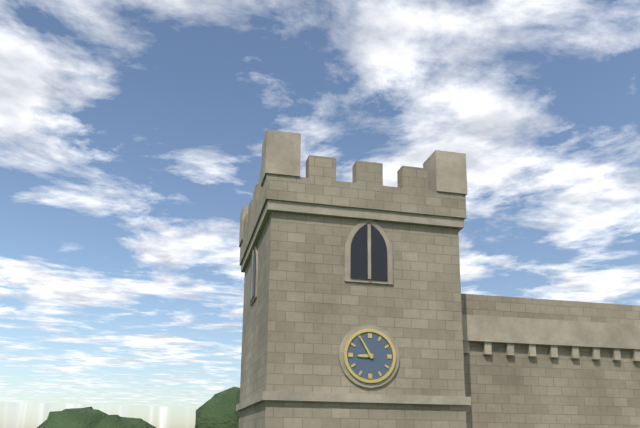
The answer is 8:55
